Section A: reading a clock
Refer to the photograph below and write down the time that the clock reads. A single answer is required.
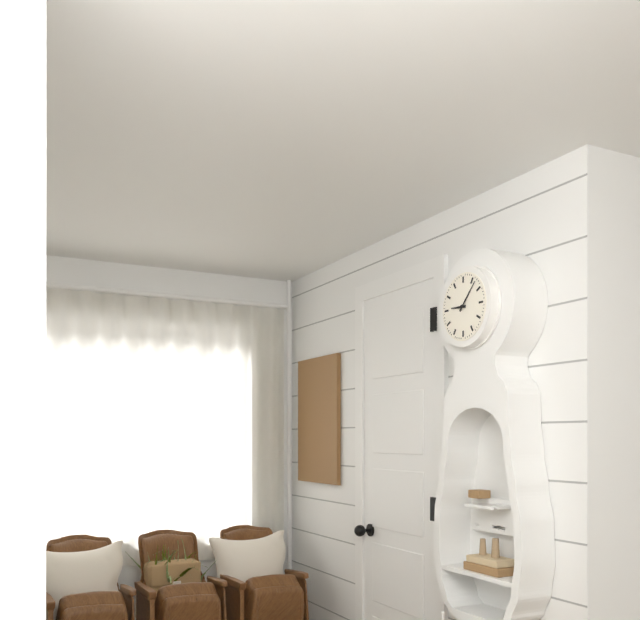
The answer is 9:07
